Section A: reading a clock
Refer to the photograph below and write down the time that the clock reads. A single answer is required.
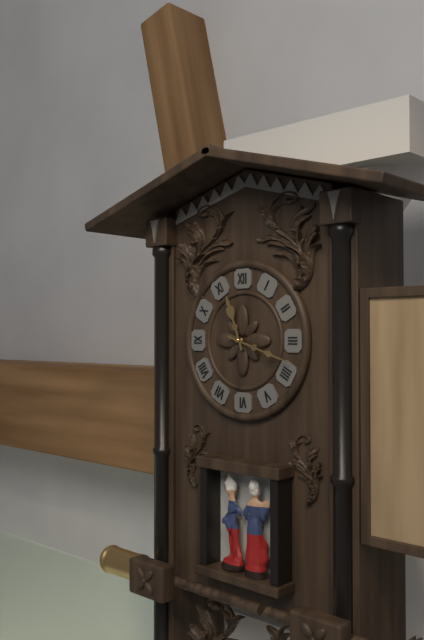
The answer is 11:18
